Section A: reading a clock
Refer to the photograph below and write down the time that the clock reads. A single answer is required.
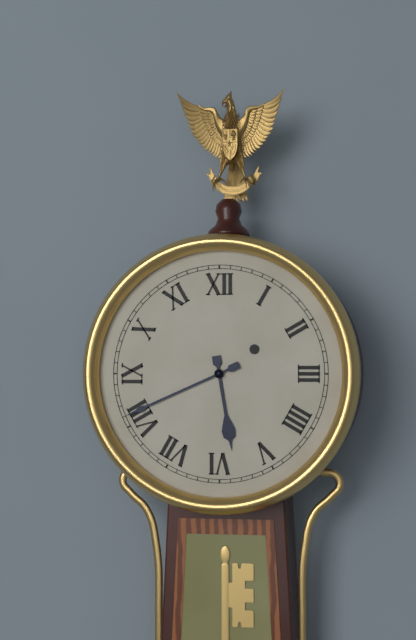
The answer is 5:41
